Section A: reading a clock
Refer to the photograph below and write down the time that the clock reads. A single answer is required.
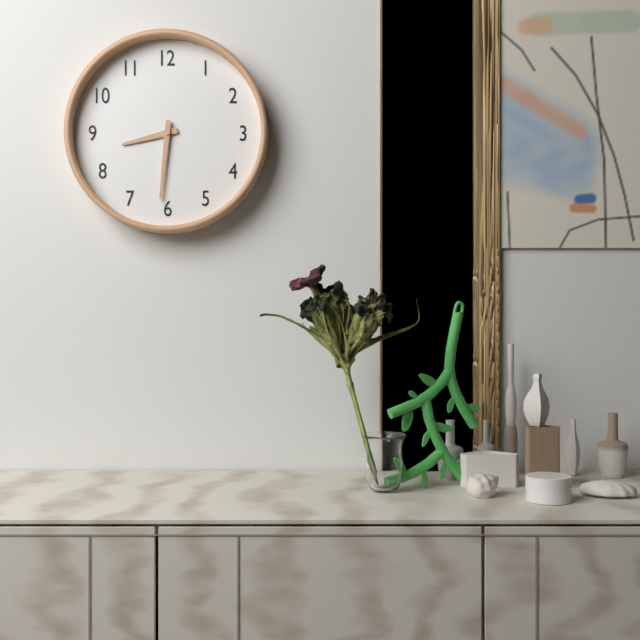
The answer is 8:31
